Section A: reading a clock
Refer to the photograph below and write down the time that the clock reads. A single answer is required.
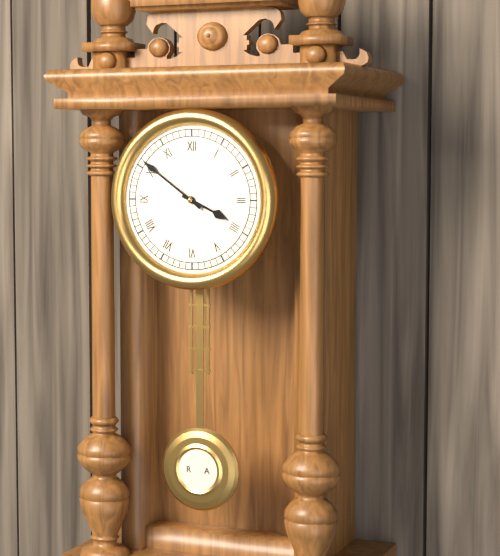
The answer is 3:51
